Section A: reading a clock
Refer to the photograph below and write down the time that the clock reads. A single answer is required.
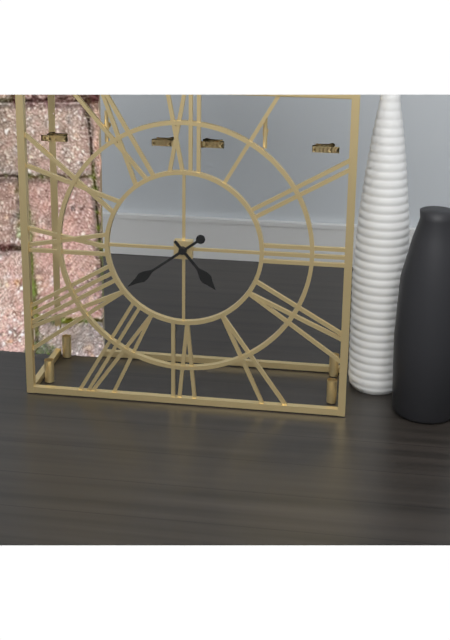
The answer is 4:39
